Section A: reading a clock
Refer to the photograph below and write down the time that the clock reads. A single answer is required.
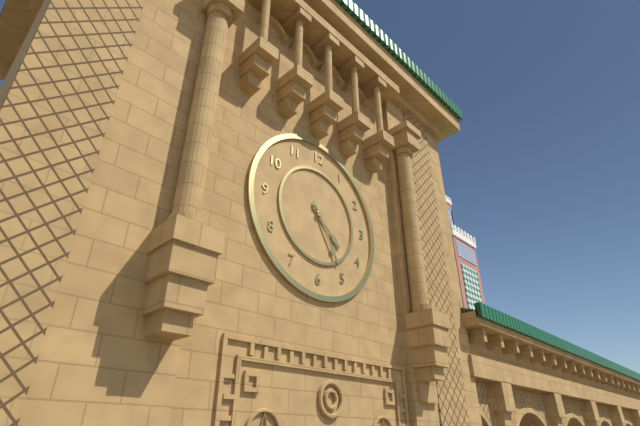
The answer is 4:25
